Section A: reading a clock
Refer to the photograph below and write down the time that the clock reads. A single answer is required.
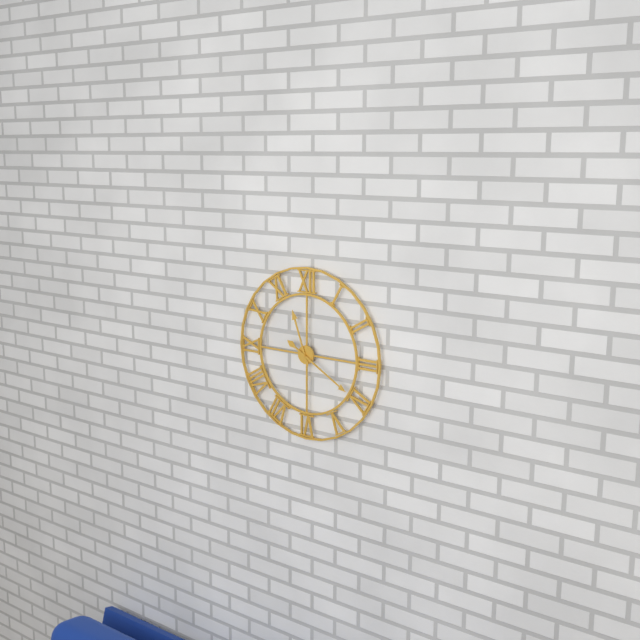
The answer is 11:20
